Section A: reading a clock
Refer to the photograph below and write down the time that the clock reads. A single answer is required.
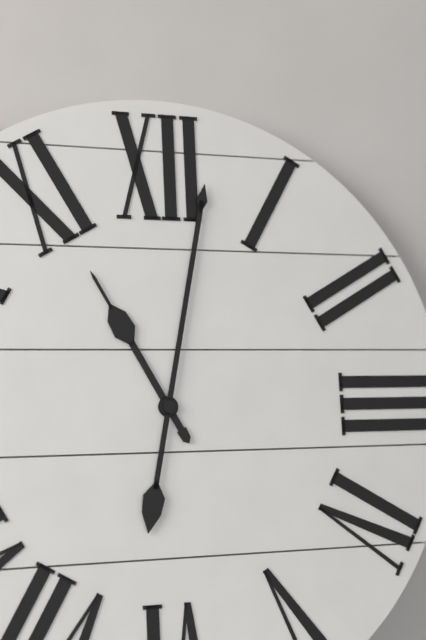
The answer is 11:02
